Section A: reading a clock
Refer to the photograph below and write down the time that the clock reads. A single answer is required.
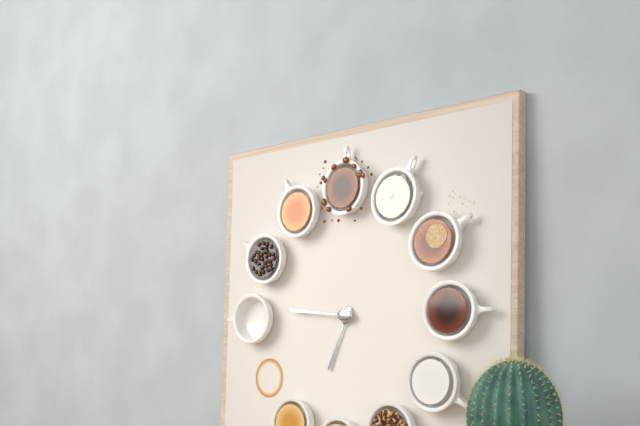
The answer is 6:46
